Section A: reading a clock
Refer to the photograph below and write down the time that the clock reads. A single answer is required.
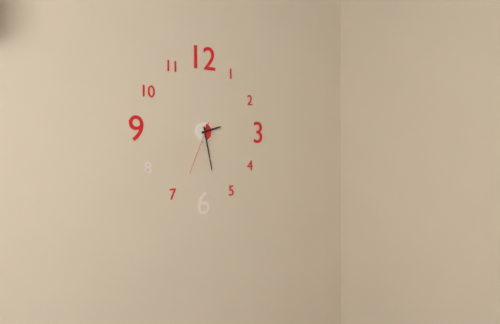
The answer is 2:28:34
